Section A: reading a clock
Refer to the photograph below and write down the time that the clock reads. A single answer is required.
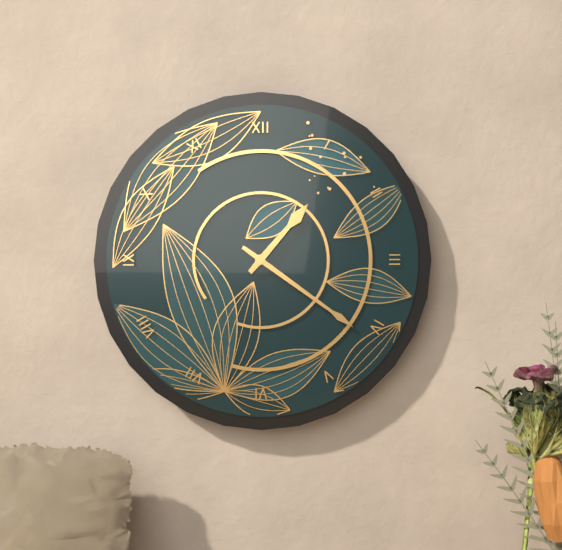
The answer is 1:21
